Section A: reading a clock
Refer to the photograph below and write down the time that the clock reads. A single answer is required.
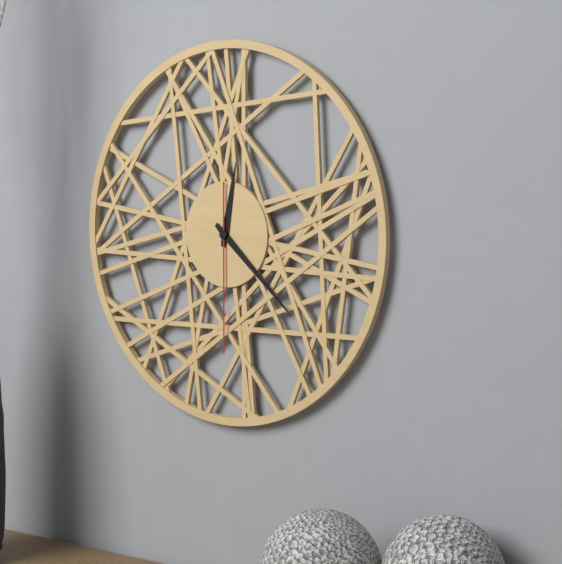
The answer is 12:22:30
